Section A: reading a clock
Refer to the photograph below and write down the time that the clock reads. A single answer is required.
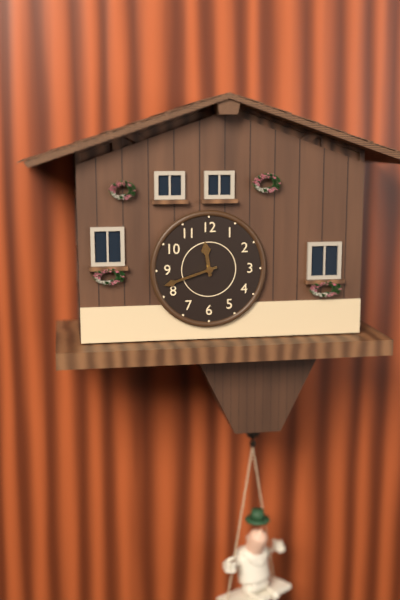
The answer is 11:42
